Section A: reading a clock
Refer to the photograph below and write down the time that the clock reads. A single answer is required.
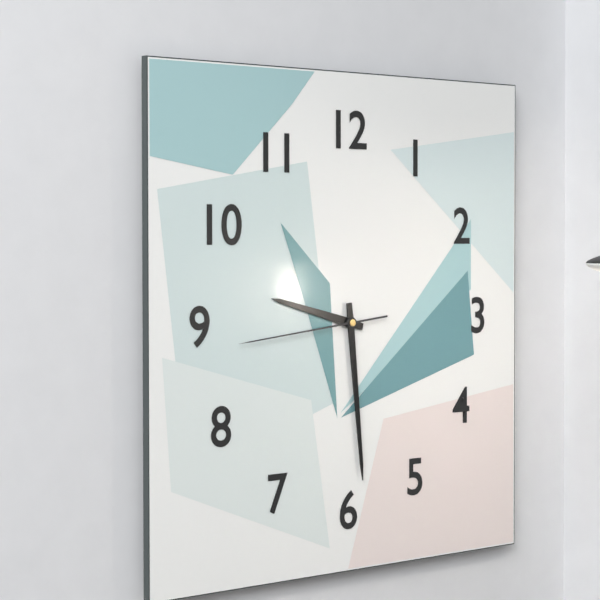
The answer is 9:29:44
